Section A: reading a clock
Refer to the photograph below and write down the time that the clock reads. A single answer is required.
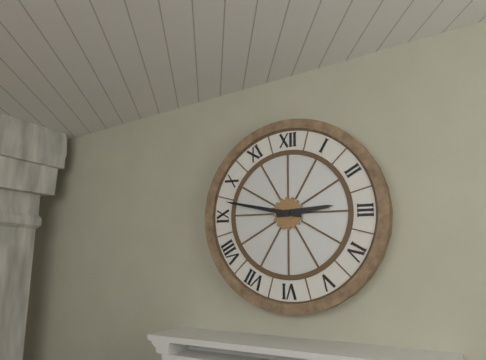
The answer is 2:47
